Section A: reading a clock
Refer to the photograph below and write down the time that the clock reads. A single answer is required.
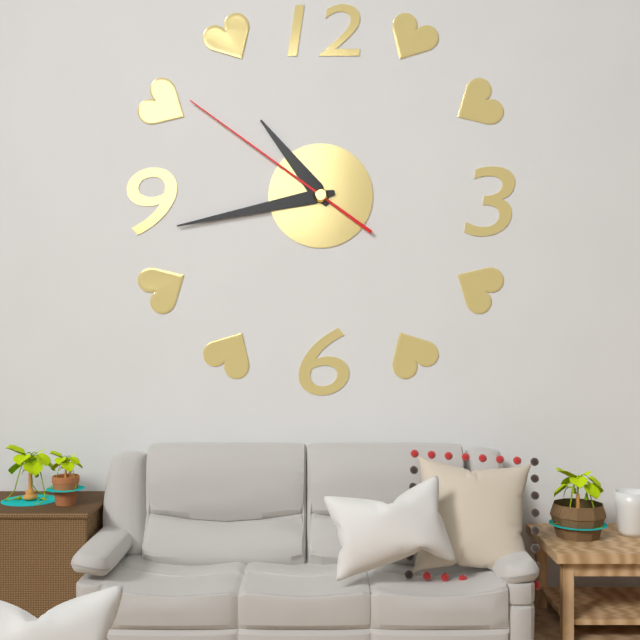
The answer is 10:43:51
